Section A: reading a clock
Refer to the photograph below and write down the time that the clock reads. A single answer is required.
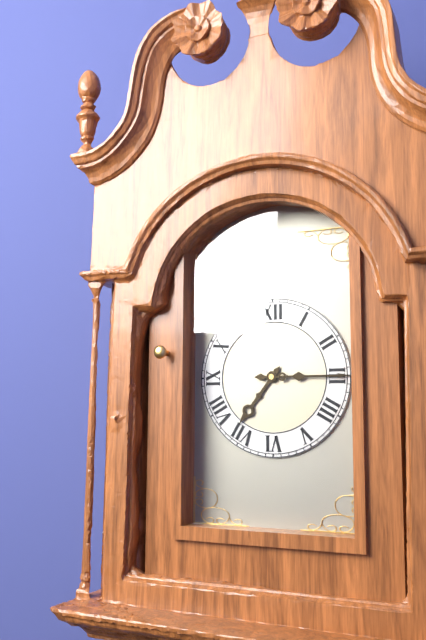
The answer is 7:15
